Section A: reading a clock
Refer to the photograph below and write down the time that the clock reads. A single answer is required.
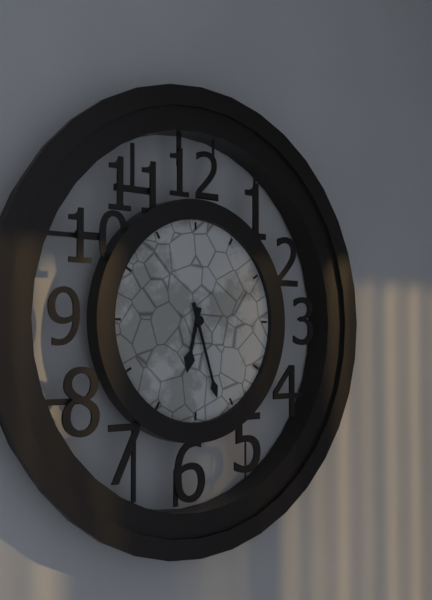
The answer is 6:27
